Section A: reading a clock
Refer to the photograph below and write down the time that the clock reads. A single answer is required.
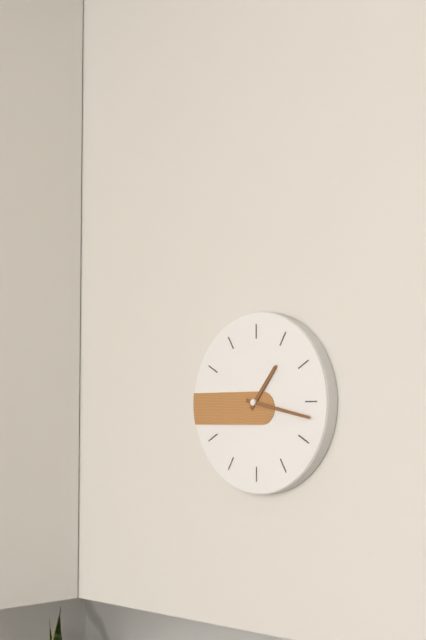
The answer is 1:17
